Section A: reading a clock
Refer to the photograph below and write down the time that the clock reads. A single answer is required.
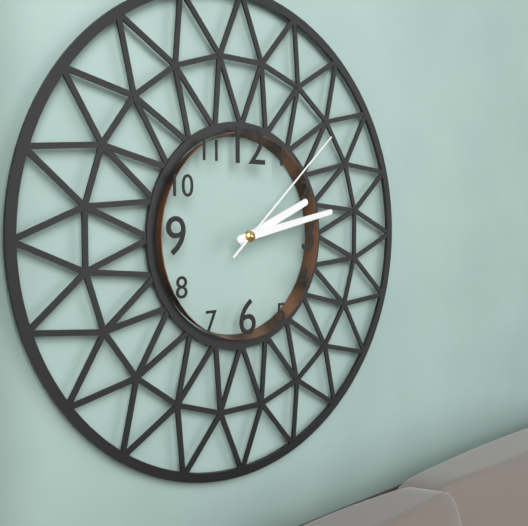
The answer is 2:13:08
